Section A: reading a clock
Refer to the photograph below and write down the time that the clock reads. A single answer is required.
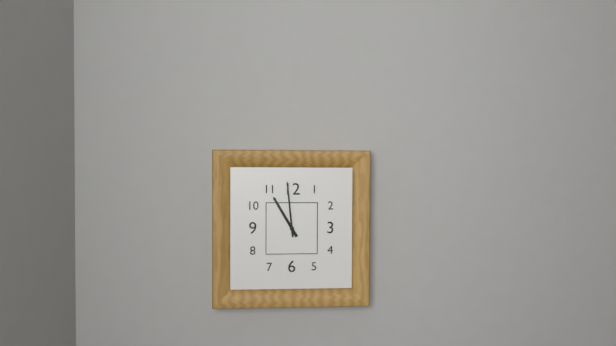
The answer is 10:59
